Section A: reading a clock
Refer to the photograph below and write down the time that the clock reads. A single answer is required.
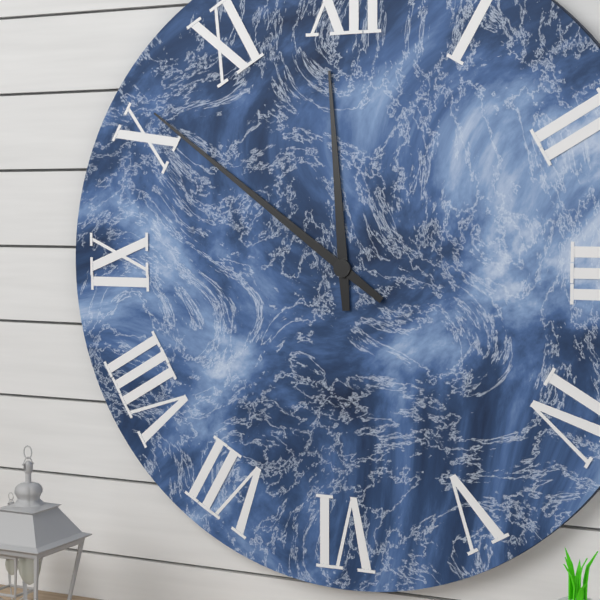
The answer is 11:51
